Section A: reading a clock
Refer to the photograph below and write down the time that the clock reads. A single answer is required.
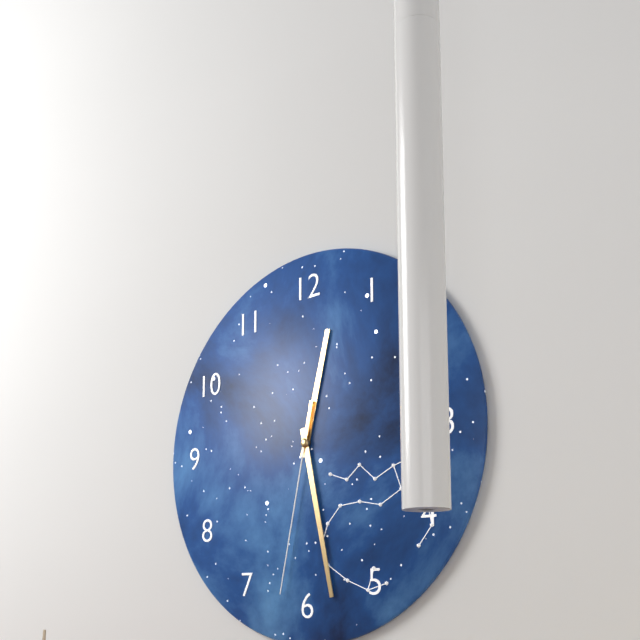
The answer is 12:28:32
